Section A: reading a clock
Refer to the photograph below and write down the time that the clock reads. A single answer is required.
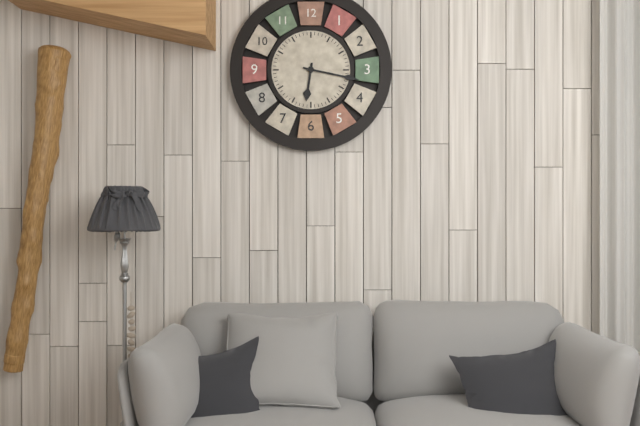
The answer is 6:17
